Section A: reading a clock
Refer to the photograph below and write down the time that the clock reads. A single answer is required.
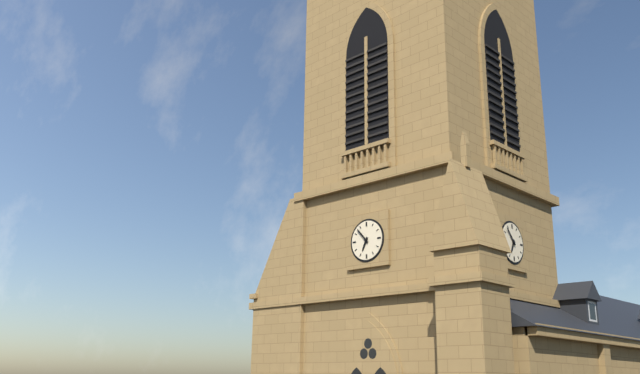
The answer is 6:53
